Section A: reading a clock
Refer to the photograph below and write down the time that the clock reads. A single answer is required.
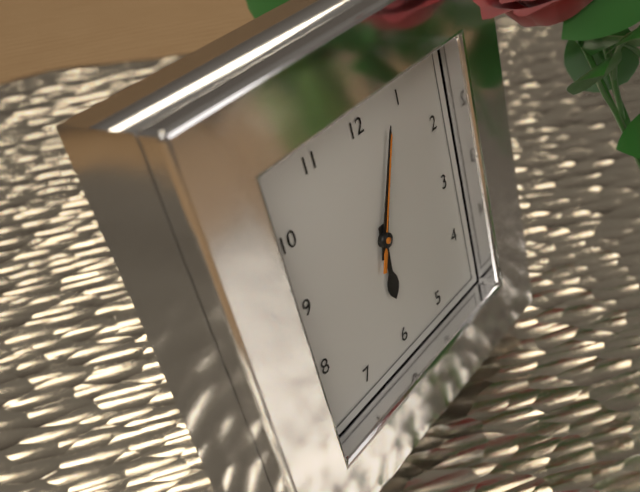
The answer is 6:04:04
